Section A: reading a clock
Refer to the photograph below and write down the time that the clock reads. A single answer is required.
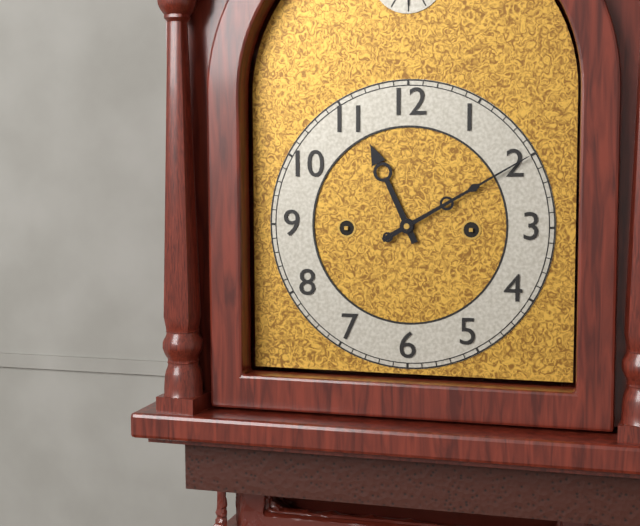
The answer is 11:10
